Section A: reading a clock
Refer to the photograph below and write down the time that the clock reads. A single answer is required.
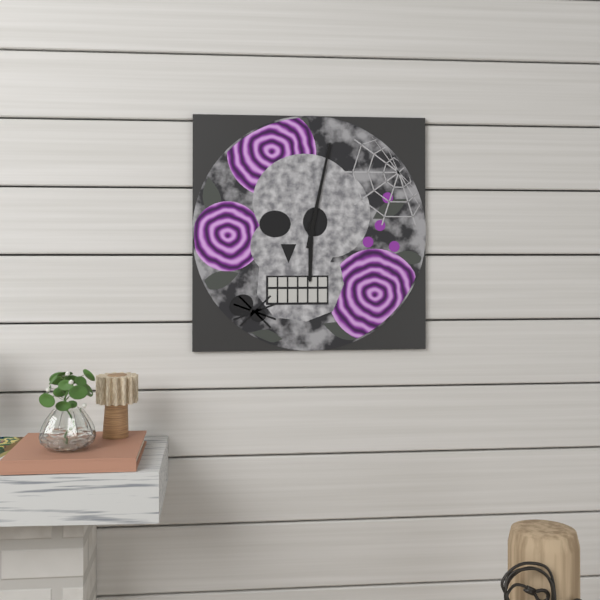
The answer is 6:02
